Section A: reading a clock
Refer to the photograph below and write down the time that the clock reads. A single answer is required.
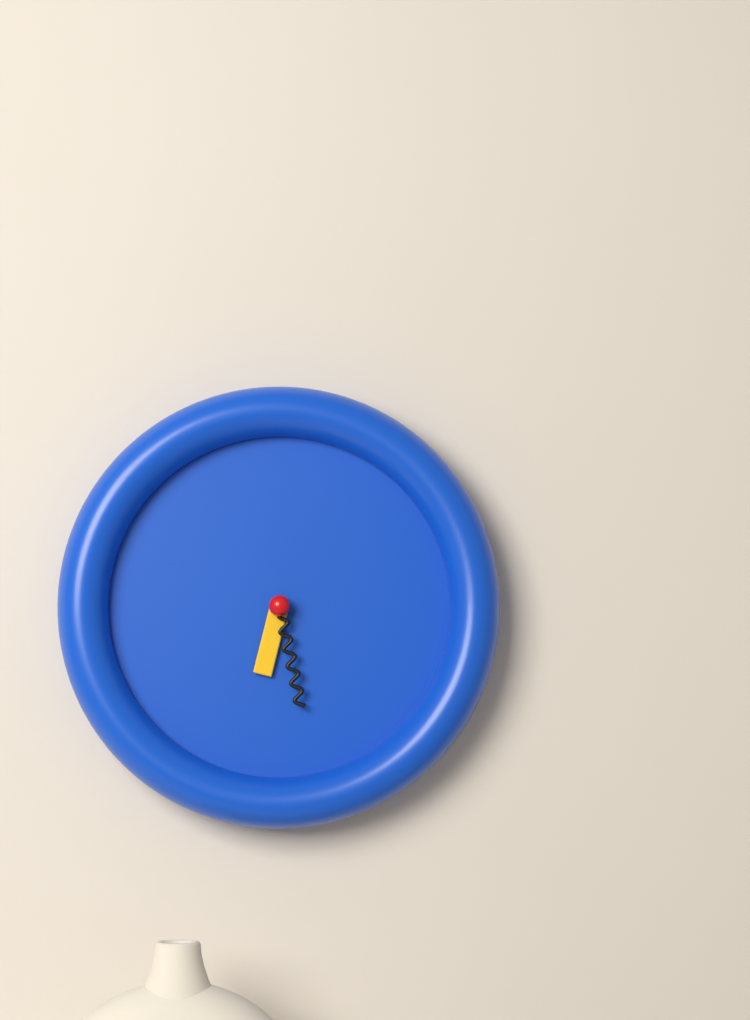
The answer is 6:28
